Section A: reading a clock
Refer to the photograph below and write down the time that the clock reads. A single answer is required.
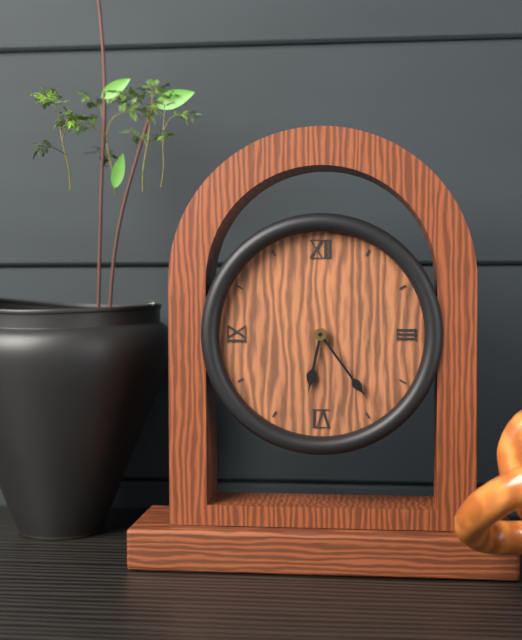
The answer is 6:24
